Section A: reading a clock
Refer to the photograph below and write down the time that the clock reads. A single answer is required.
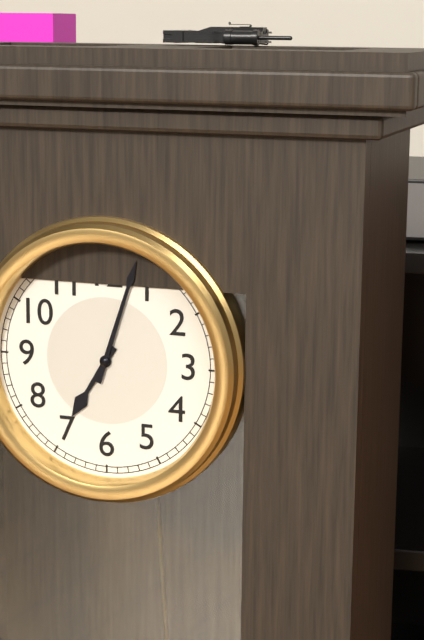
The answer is 7:03
